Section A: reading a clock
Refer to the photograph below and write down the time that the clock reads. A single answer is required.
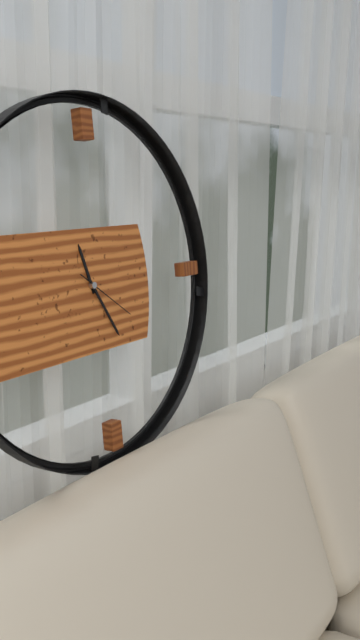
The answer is 11:25:21
